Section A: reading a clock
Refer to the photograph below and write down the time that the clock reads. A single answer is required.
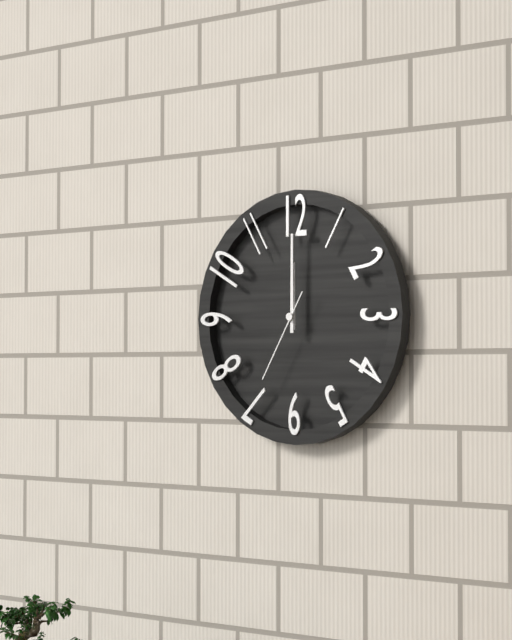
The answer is 12:00:35
